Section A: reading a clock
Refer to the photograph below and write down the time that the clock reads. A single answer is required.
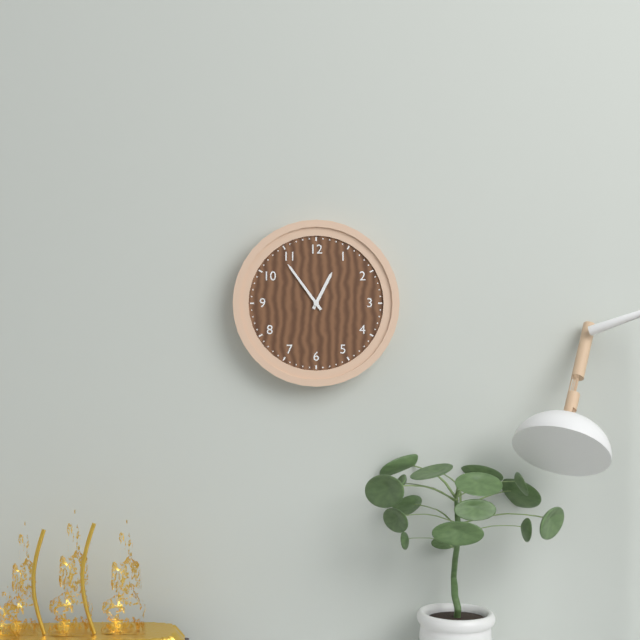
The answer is 12:54
